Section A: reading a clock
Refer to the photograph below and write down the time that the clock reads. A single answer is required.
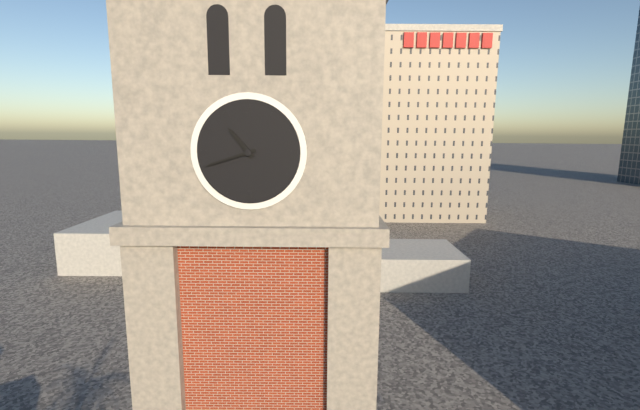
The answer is 10:42
